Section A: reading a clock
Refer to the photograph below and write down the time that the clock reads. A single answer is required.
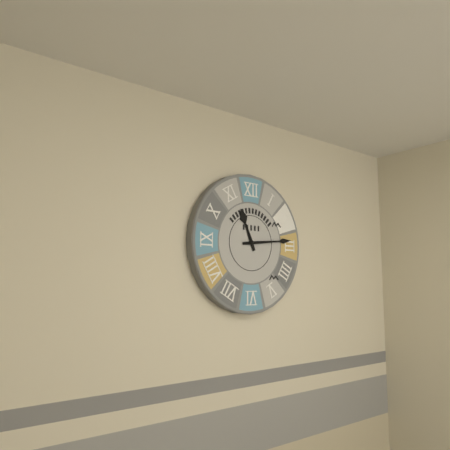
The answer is 11:14
